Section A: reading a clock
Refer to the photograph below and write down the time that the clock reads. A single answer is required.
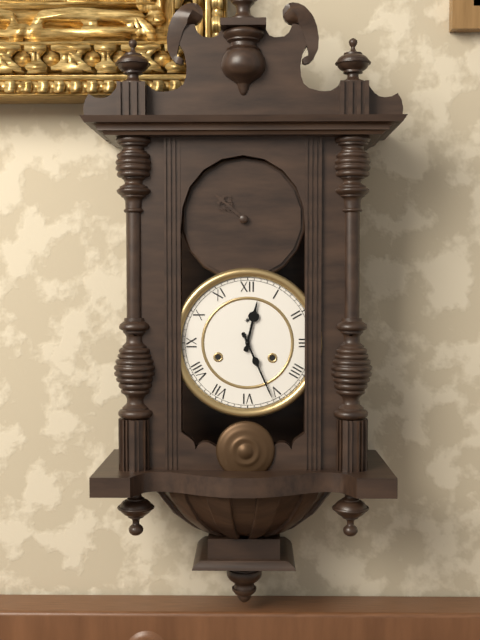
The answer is 12:26
